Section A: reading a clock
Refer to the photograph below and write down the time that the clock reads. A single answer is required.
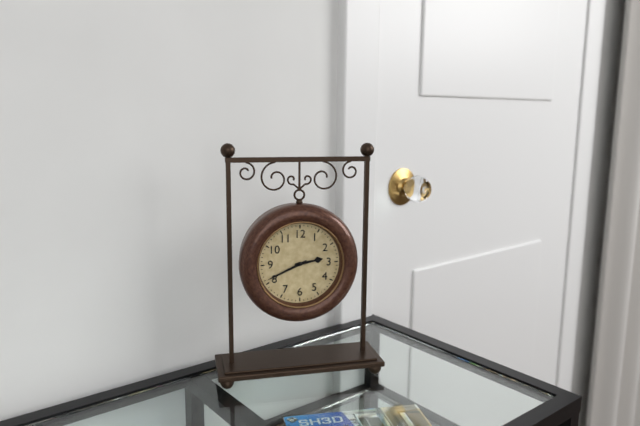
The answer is 2:41
